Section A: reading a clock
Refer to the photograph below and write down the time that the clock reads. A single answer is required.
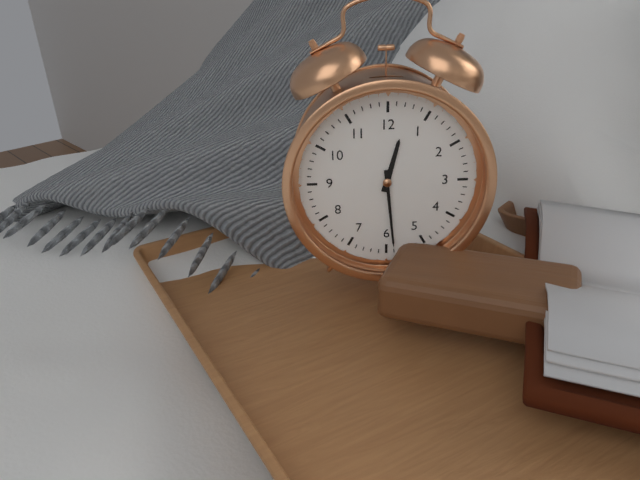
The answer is 12:29
